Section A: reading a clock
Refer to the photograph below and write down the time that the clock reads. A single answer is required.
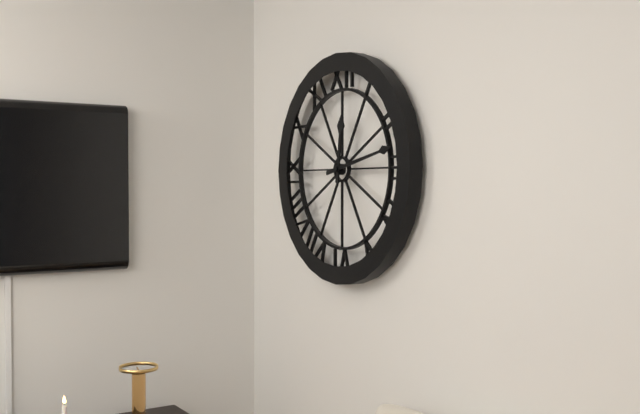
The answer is 12:13
